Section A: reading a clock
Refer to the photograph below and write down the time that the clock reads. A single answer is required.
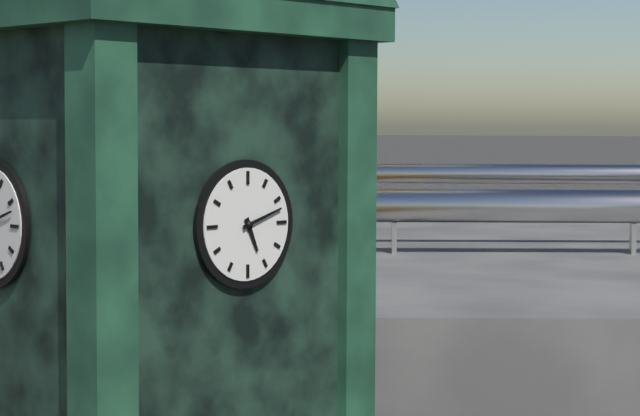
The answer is 5:12
